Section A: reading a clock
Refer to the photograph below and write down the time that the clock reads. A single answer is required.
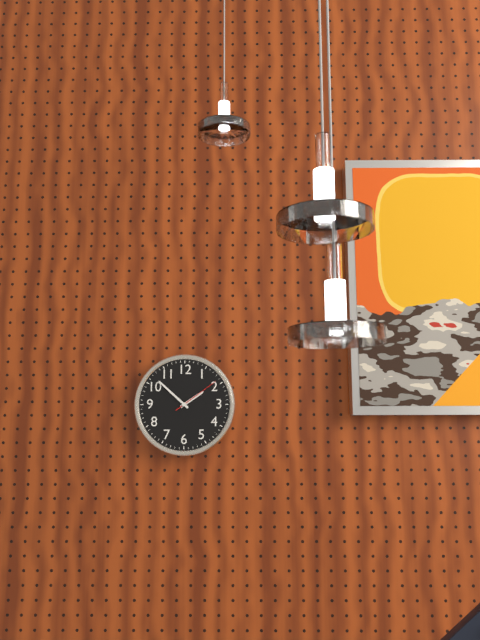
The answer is 1:52
